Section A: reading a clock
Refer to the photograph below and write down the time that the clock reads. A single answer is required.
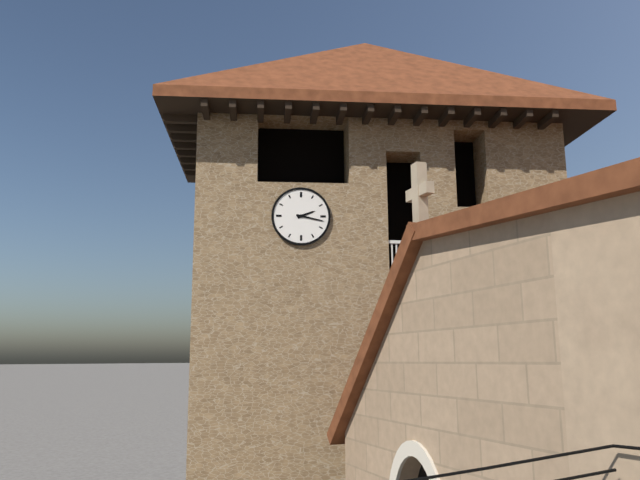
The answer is 2:17
